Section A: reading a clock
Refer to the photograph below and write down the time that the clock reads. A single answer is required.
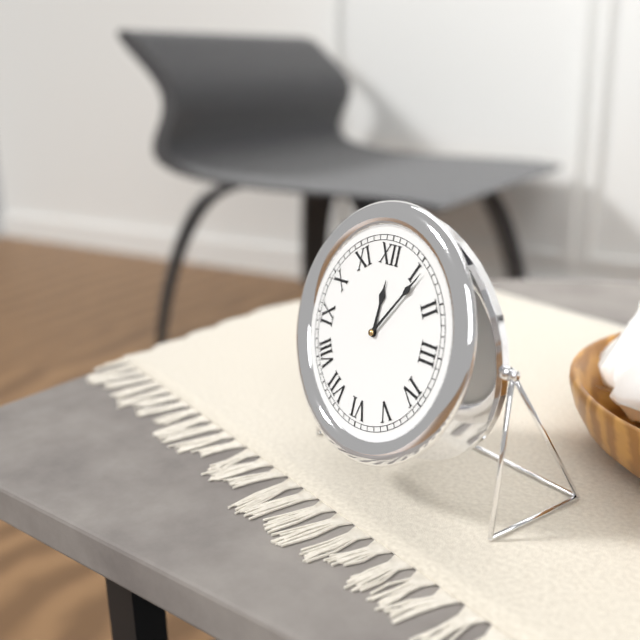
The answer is 12:06
